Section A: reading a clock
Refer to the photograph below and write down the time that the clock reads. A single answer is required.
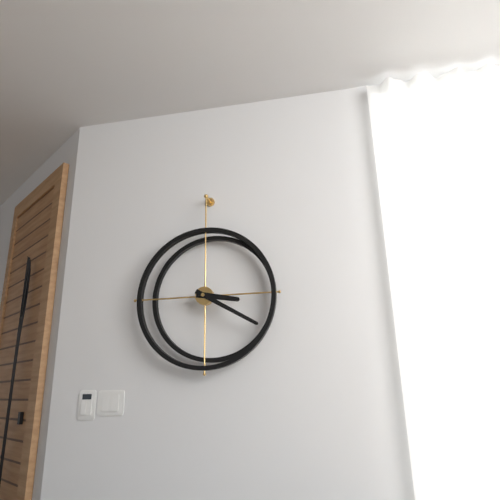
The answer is 3:20
